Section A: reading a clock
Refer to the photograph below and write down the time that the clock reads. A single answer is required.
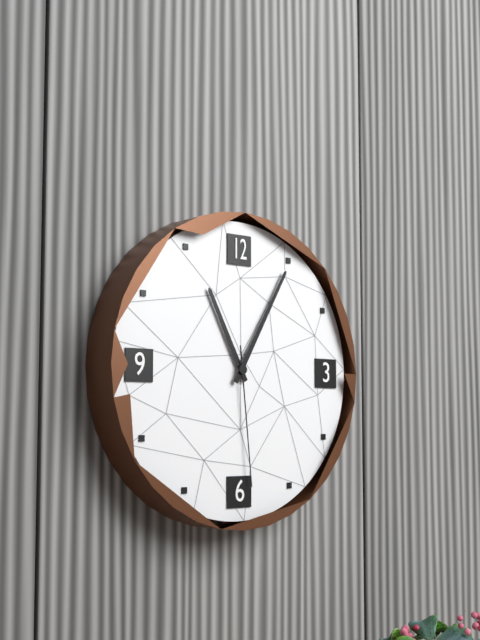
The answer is 11:05:29
